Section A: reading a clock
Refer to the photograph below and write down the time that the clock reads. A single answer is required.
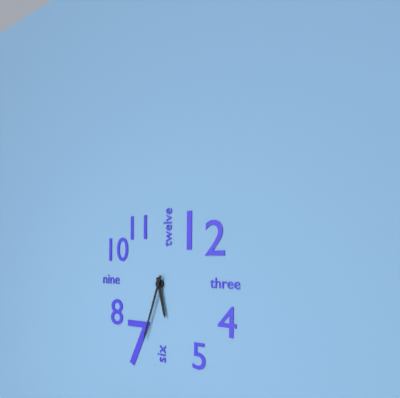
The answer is 5:33
